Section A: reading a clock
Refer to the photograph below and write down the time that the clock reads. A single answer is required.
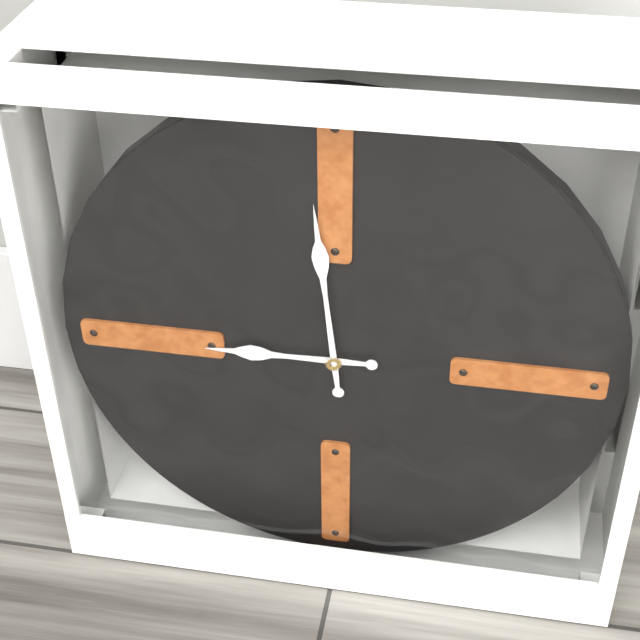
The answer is 8:59
